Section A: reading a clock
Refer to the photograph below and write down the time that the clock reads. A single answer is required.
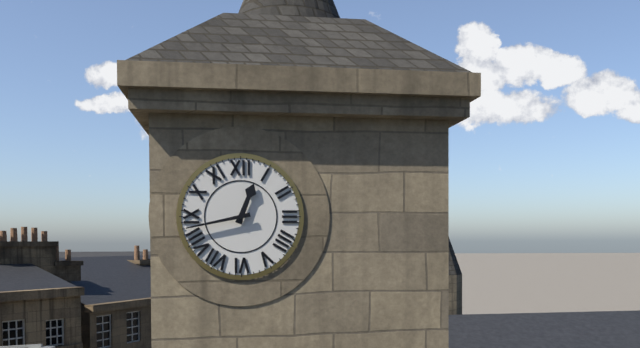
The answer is 12:43
